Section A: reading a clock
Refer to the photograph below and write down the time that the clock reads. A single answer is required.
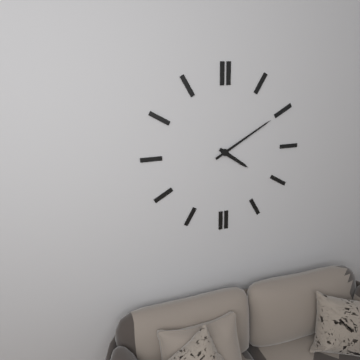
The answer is 4:10
